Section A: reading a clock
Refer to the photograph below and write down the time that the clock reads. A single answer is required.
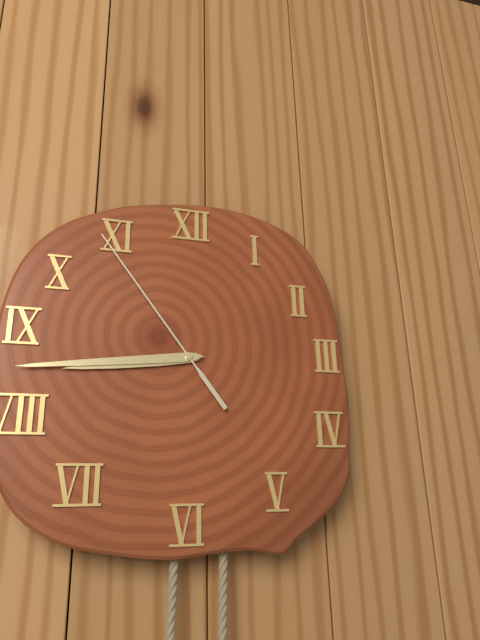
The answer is 8:44:54
